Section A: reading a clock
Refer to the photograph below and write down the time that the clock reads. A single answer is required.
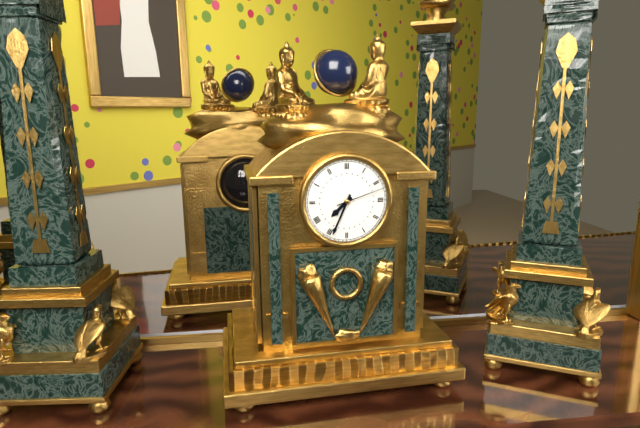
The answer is 7:34
